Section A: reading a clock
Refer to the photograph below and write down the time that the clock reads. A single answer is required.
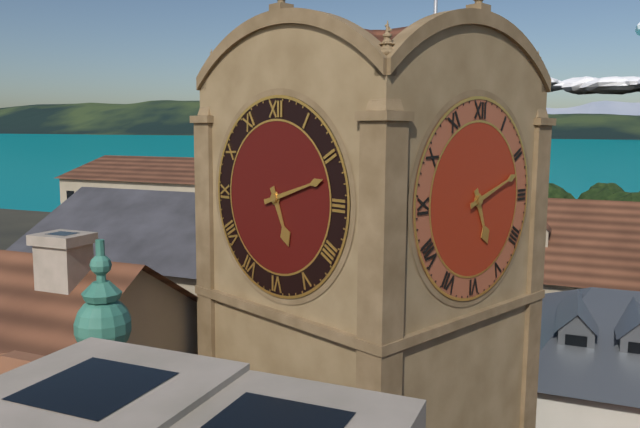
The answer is 5:12
